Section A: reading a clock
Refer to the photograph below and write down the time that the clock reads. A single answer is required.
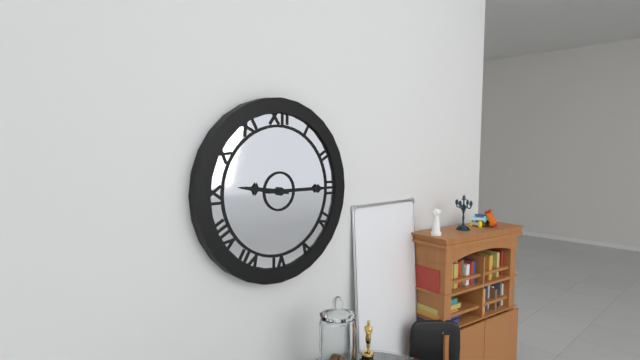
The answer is 9:15
